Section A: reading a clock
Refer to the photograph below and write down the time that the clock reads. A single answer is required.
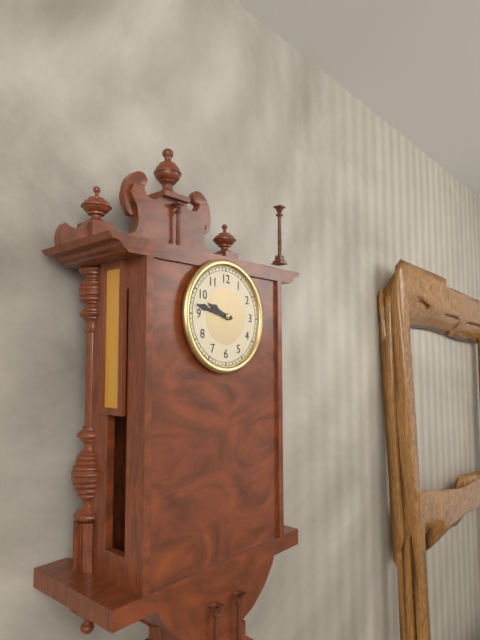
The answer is 9:47
